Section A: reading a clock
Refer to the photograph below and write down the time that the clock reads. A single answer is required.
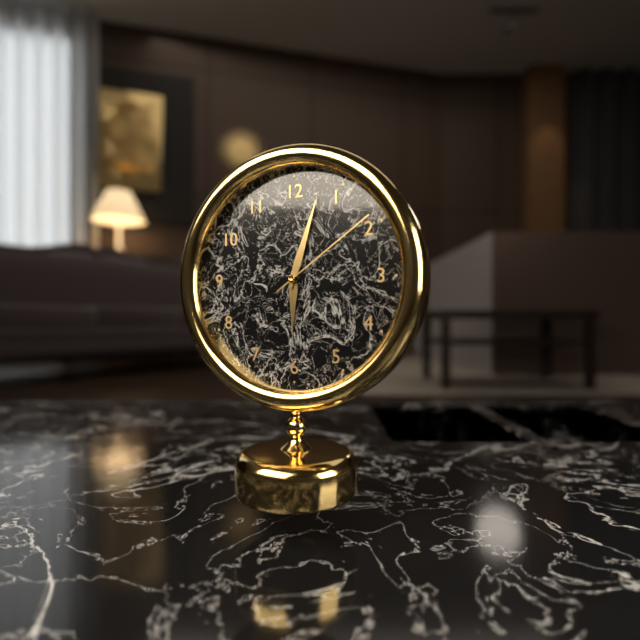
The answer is 6:03:09
